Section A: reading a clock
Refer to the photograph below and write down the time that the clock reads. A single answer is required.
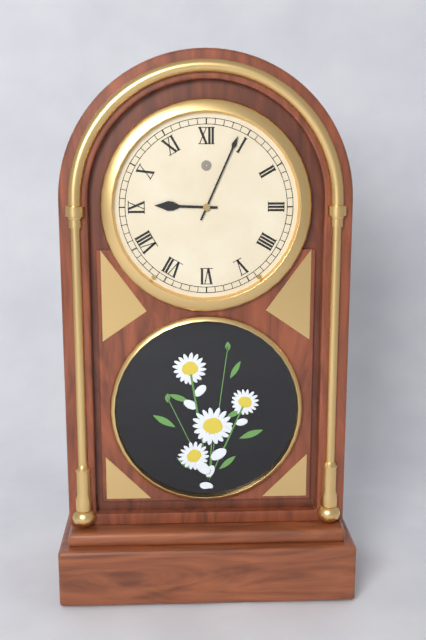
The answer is 9:04
